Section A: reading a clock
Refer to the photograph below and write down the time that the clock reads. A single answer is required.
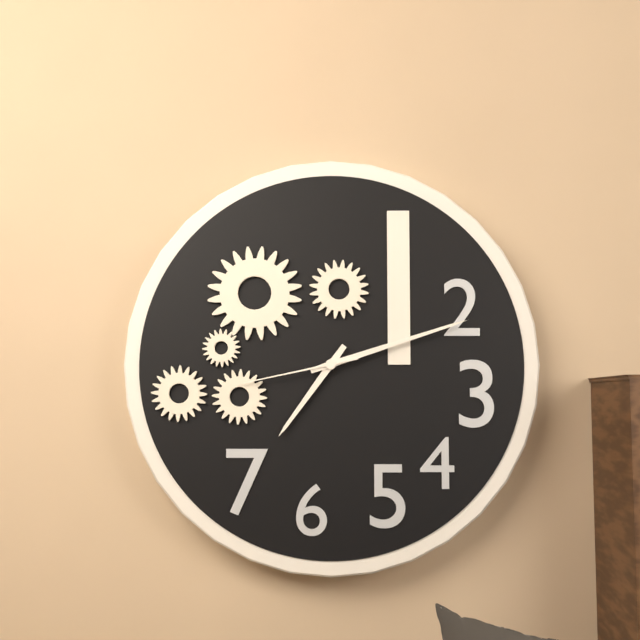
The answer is 7:12:43
